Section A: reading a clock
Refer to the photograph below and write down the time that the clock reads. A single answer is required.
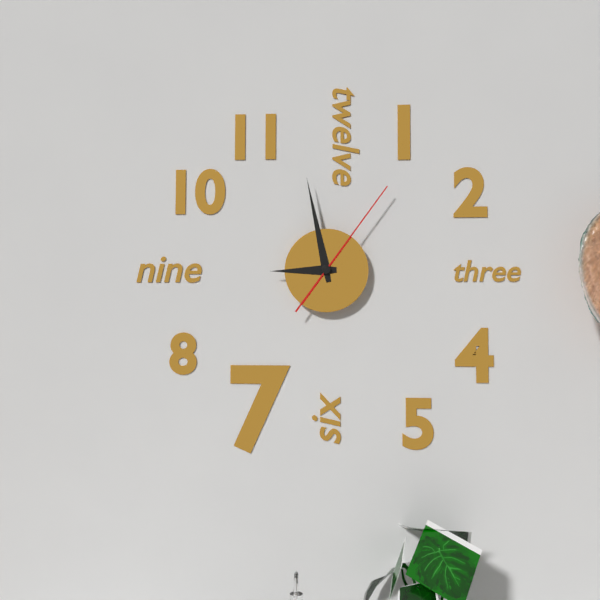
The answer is 8:58:06
